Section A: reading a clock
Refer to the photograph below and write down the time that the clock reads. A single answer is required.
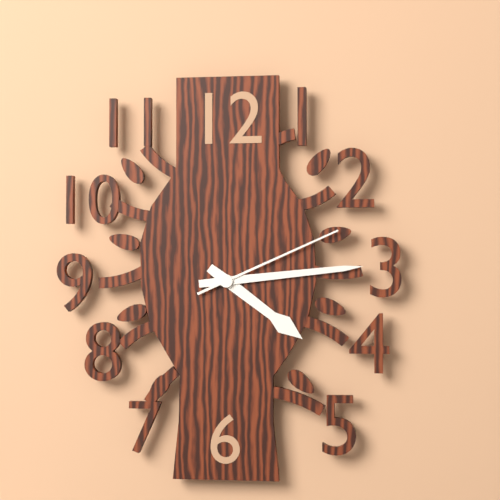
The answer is 4:14:11
